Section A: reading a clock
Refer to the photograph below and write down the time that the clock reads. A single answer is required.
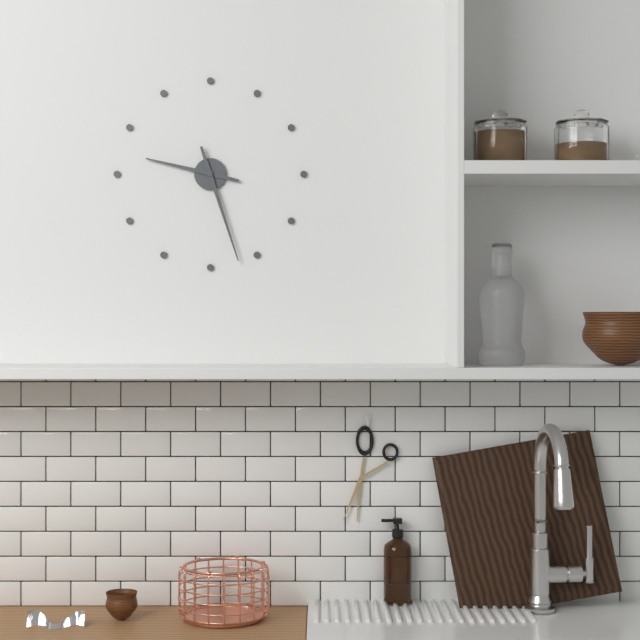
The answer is 9:27
